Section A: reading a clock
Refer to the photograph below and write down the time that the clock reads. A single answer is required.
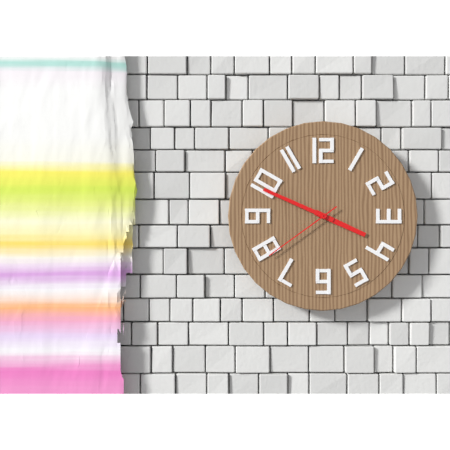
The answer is 3:49:39
